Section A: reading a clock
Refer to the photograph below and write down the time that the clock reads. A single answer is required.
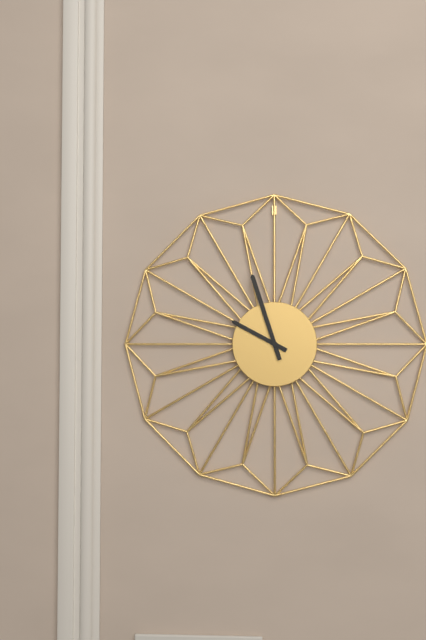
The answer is 9:57
